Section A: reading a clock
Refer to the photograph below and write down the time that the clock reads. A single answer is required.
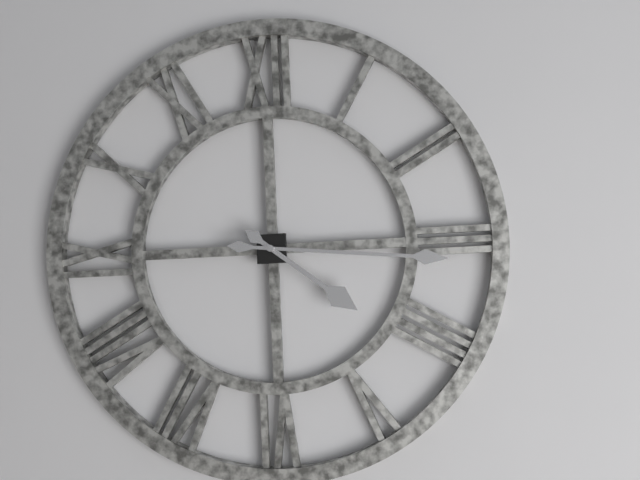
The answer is 4:16
